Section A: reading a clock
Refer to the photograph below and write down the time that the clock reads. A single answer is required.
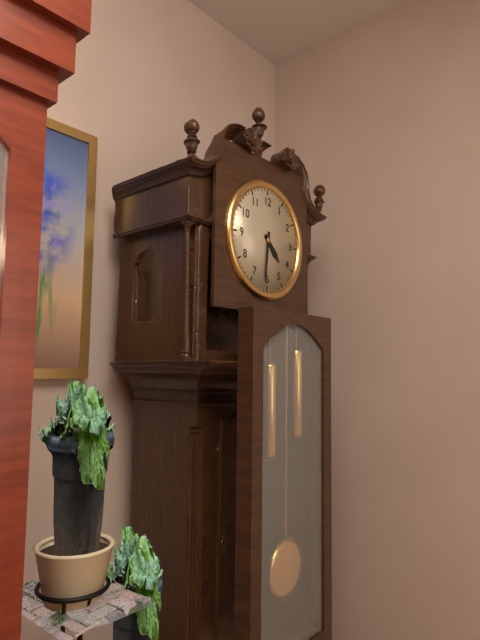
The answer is 4:31
